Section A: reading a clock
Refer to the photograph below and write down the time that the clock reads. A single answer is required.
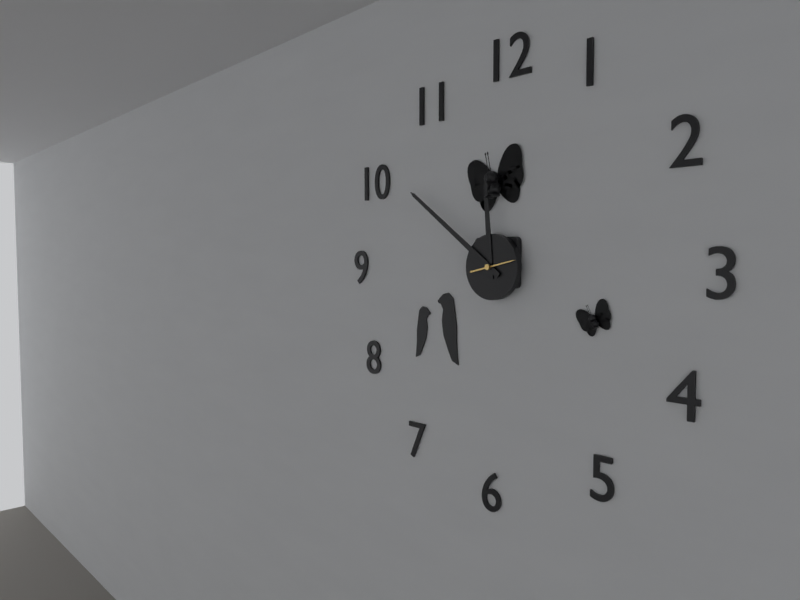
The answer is 11:51
